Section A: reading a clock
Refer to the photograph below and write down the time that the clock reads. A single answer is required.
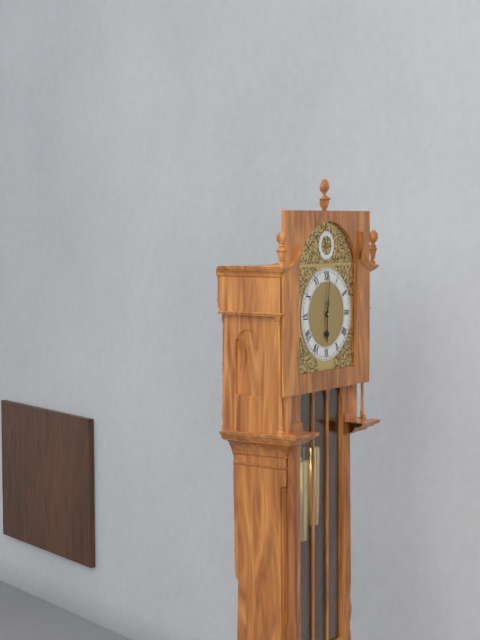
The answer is 6:01
